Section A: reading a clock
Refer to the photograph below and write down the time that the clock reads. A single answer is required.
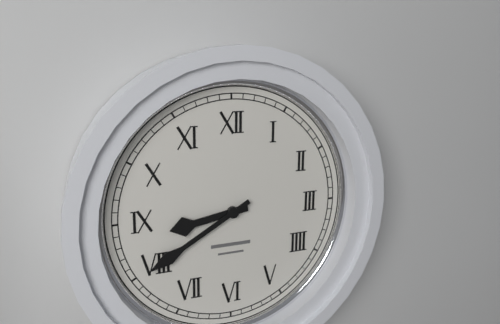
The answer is 8:40
